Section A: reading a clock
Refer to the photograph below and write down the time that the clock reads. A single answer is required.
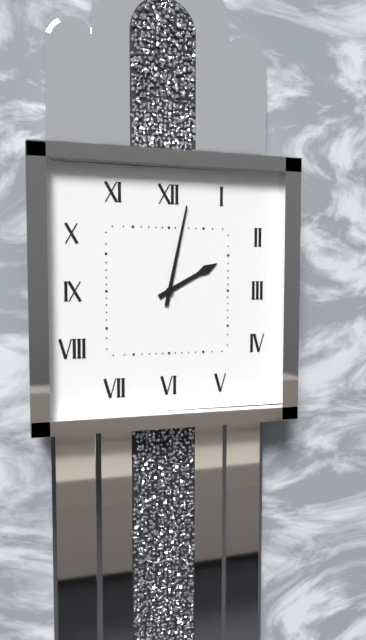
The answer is 2:02
